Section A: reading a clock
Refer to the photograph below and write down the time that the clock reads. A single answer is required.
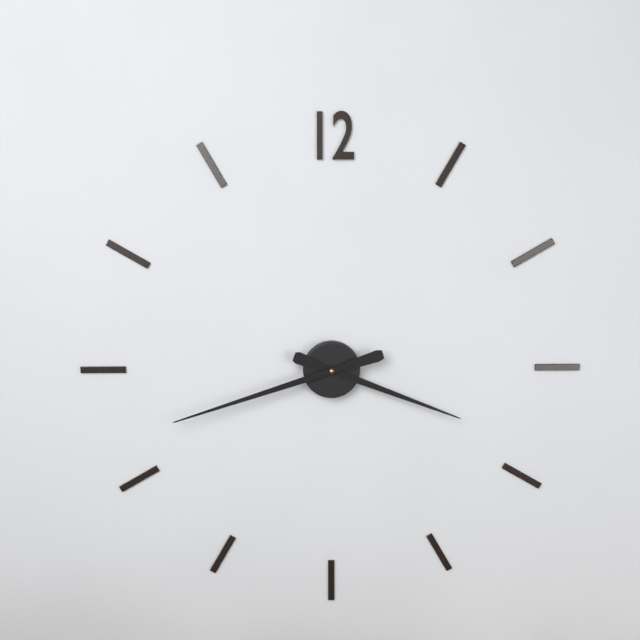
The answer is 3:42
